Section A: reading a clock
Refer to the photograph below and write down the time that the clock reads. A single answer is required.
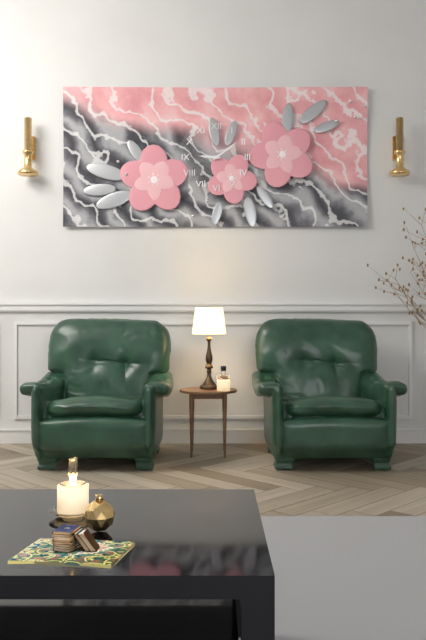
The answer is 9:09
